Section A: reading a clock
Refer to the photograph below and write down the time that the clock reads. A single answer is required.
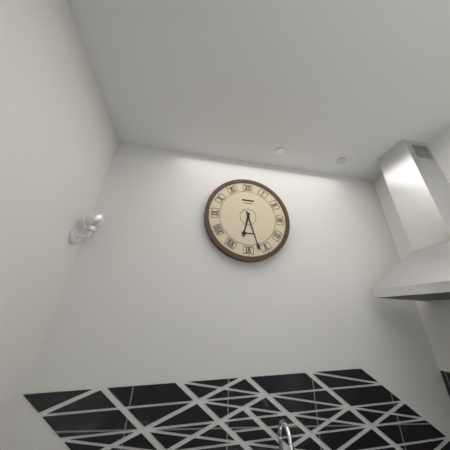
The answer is 6:27
